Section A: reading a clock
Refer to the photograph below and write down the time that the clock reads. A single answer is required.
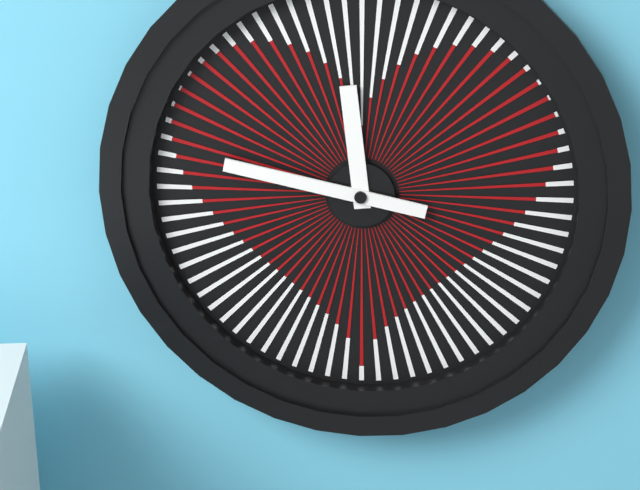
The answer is 11:47
